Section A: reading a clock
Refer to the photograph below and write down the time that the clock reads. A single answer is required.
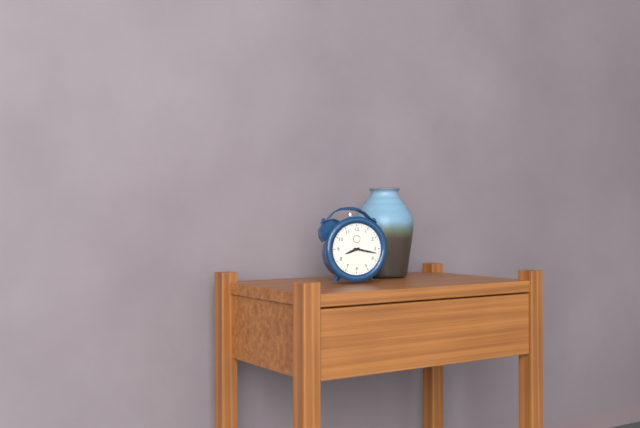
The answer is 8:17
